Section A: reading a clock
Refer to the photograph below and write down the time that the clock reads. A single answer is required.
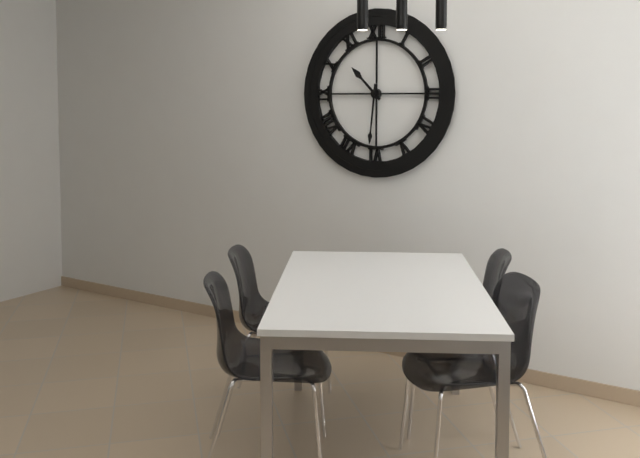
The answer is 10:31
